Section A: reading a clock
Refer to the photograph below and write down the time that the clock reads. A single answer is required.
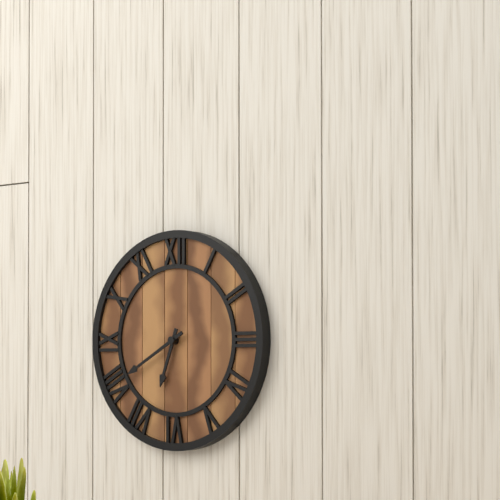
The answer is 6:40
